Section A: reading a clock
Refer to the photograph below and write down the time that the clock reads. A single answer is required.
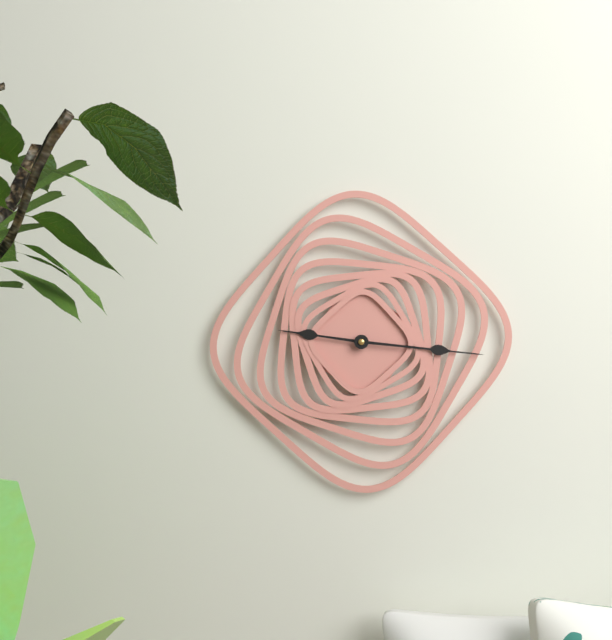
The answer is 9:16
